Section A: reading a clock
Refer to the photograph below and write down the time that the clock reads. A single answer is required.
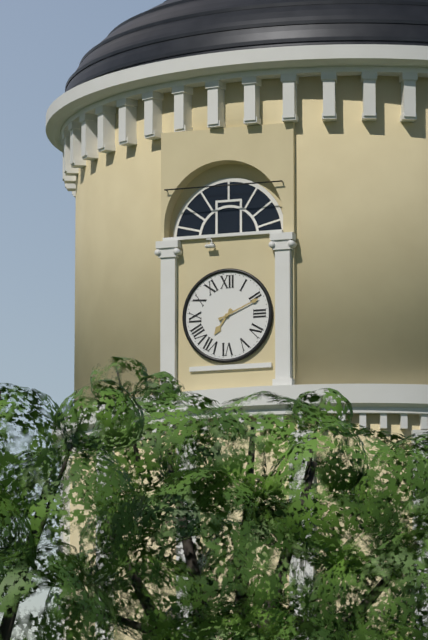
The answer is 7:11
